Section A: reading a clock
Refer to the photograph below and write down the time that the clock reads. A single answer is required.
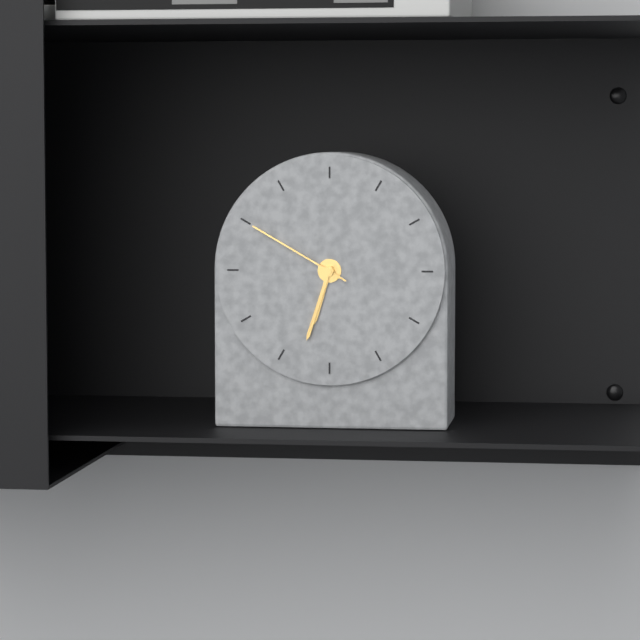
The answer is 6:33:50
